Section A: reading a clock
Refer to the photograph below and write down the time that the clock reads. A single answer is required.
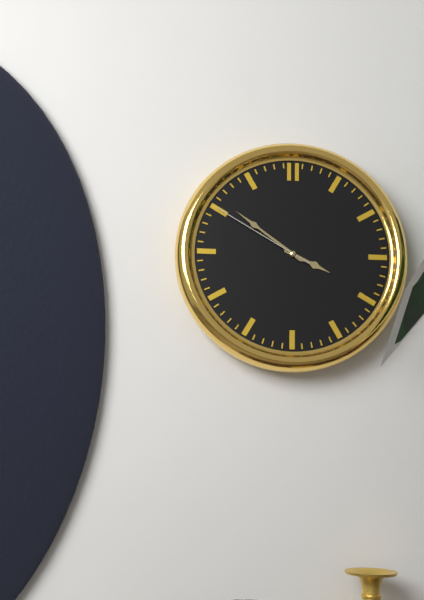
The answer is 3:51:50
